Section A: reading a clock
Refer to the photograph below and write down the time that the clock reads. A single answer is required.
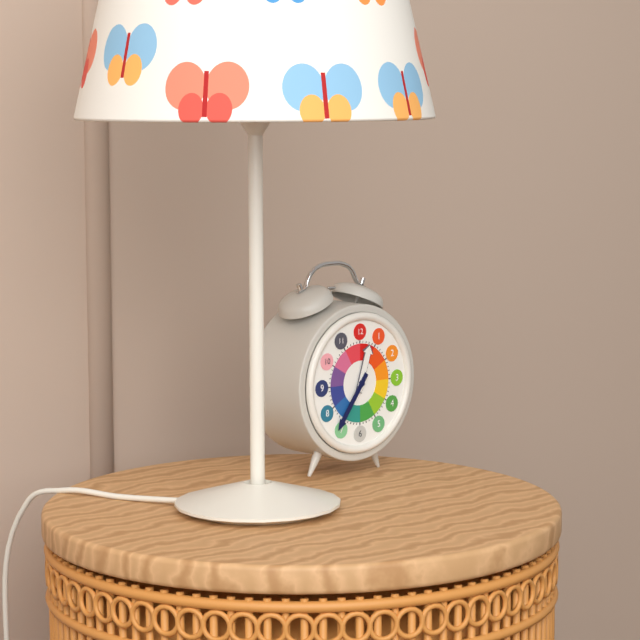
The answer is 12:36
